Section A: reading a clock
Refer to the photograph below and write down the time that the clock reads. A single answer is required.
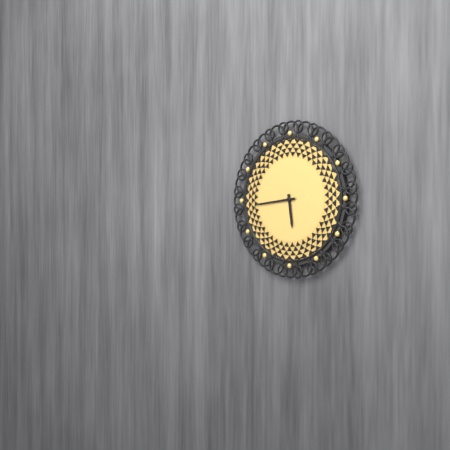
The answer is 5:44
